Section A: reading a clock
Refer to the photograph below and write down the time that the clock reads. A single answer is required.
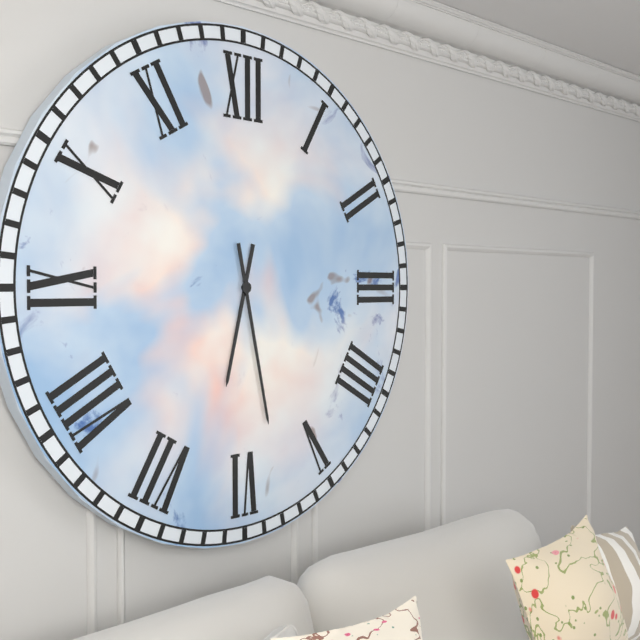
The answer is 6:28
